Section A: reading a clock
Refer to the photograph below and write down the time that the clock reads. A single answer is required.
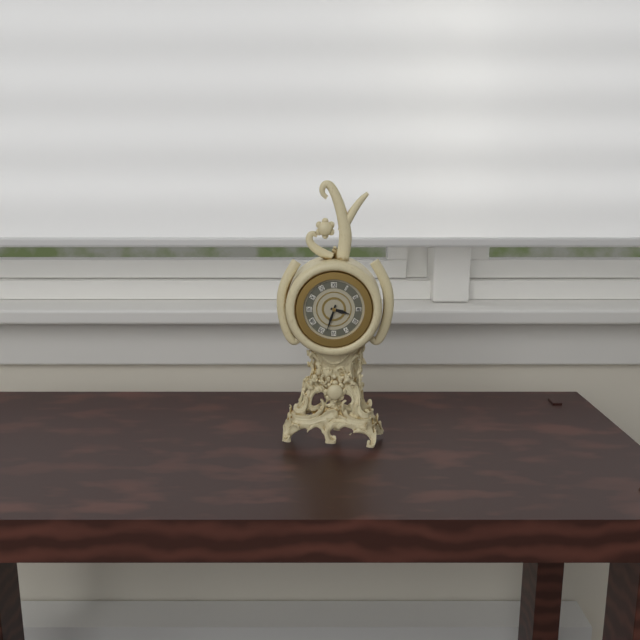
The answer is 3:33
